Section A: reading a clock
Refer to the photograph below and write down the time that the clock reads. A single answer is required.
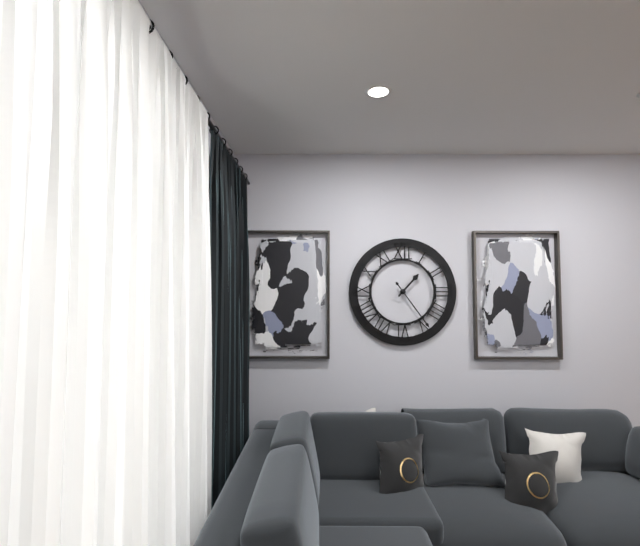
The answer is 1:24
